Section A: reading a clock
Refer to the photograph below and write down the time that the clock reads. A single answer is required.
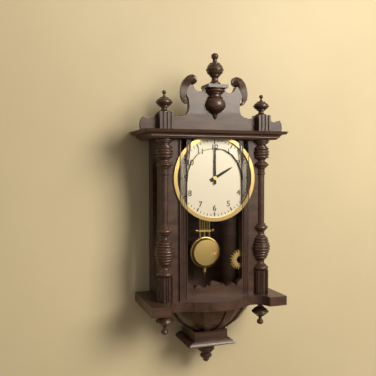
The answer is 2:00
